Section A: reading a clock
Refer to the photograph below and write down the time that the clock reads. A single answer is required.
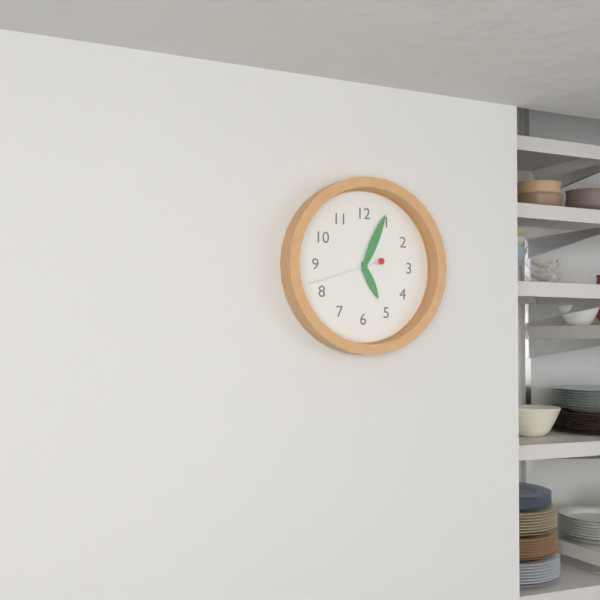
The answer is 5:04:42
